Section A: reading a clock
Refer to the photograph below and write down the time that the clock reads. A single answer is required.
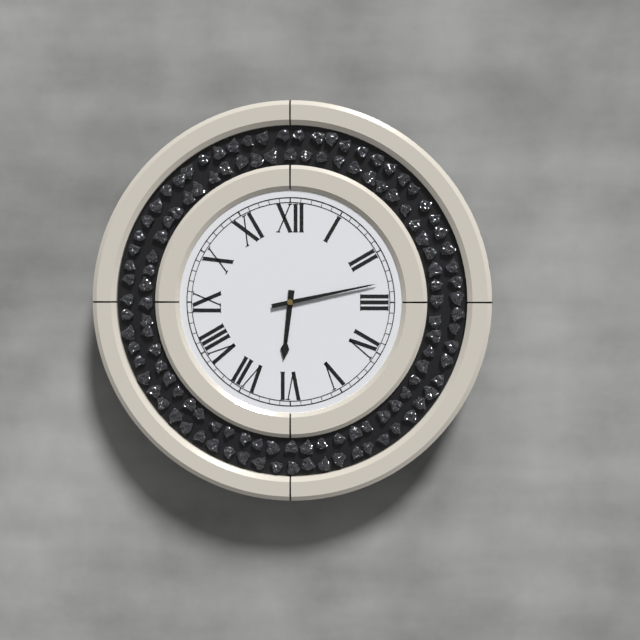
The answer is 6:13
